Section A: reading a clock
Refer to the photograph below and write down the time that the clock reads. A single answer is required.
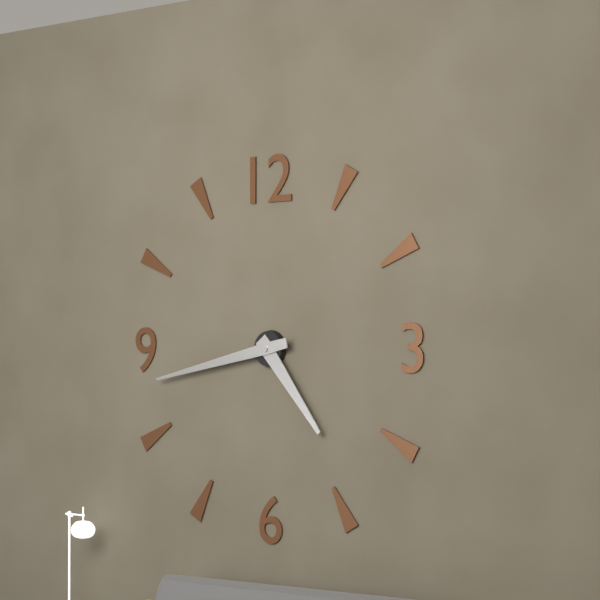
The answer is 4:43
